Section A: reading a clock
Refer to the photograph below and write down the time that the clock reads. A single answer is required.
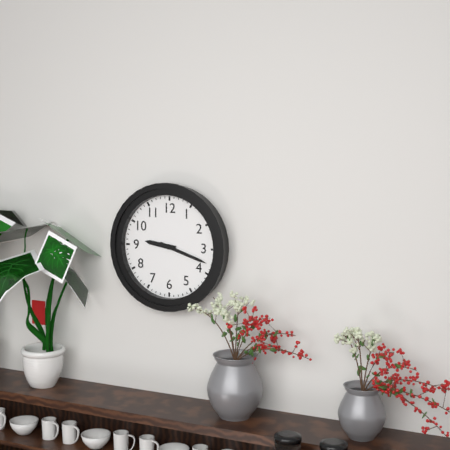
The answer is 9:18
